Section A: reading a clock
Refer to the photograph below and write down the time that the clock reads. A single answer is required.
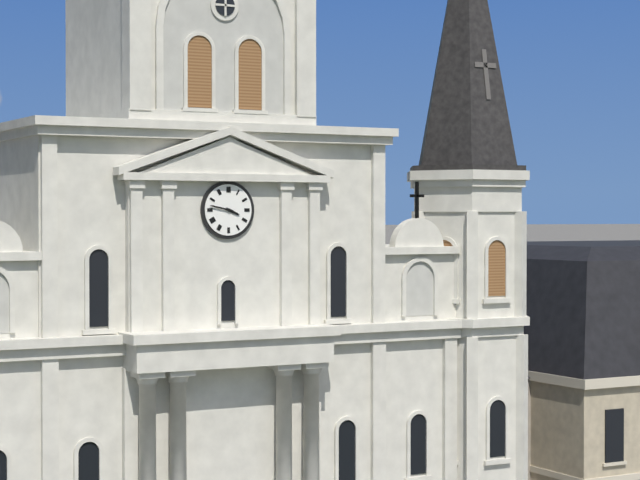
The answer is 3:47
